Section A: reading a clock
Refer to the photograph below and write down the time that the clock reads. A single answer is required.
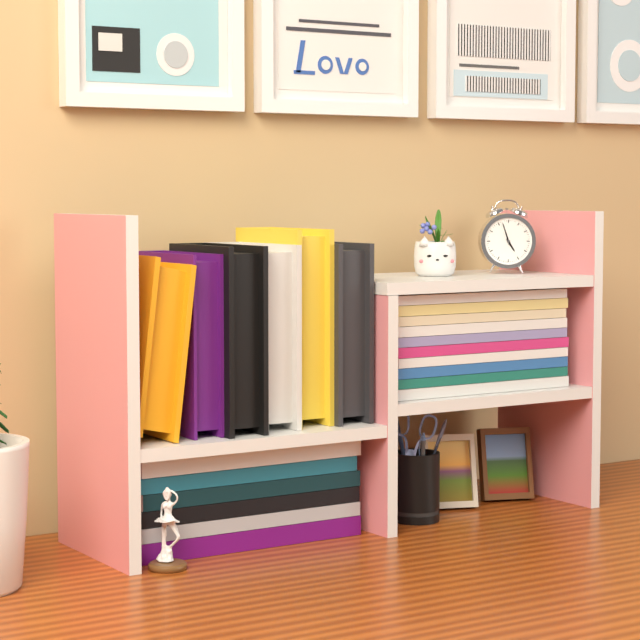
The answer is 4:57
